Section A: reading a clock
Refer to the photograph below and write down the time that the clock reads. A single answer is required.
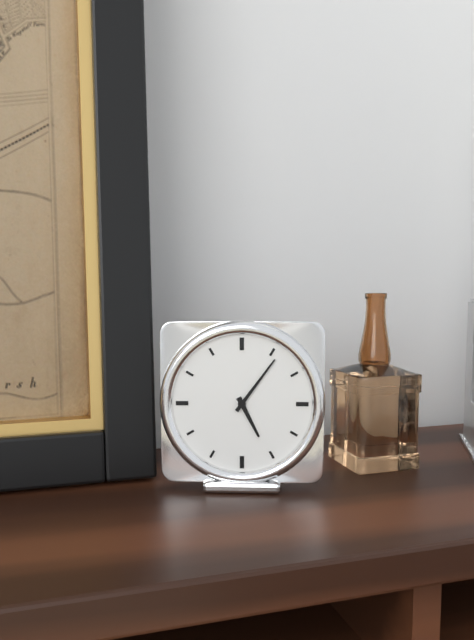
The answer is 5:06
